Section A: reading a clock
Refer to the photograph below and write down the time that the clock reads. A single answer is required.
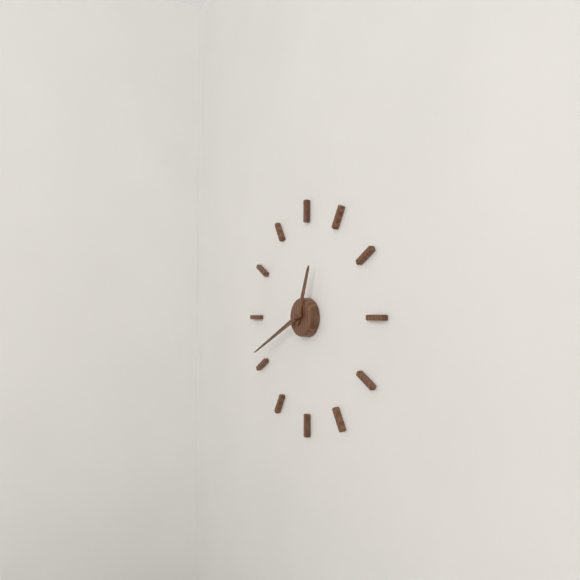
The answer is 12:41
